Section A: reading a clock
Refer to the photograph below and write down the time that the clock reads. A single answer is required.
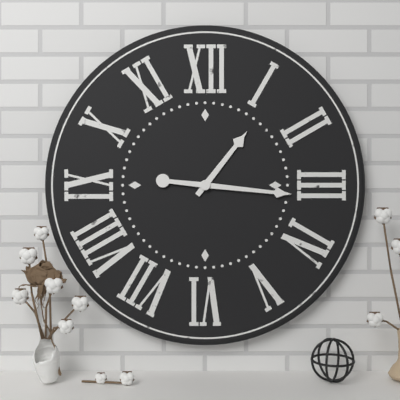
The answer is 1:16
